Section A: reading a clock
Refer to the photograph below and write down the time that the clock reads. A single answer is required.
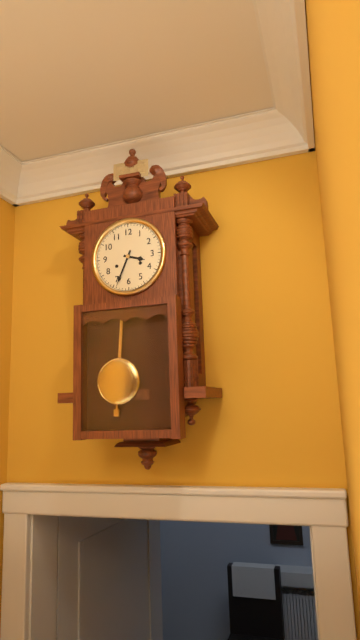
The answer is 3:34
